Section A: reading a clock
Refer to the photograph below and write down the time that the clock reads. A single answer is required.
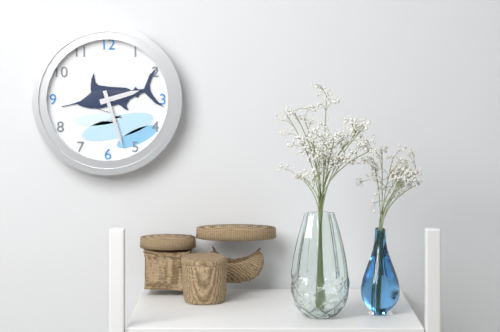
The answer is 2:27
